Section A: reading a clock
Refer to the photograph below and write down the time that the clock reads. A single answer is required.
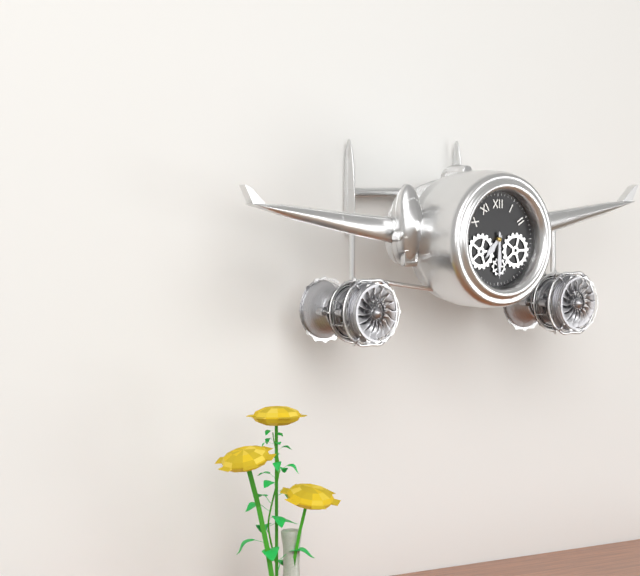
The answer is 7:30
